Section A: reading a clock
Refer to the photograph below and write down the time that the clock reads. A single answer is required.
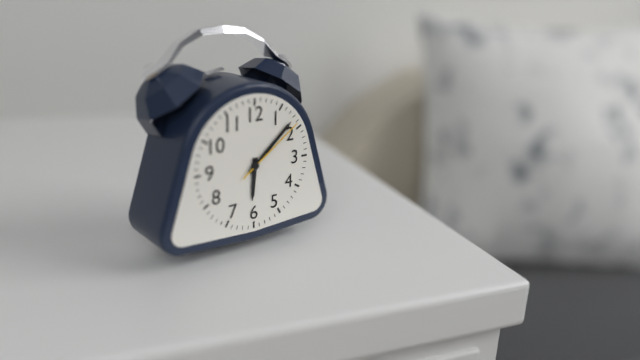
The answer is 6:08:09
